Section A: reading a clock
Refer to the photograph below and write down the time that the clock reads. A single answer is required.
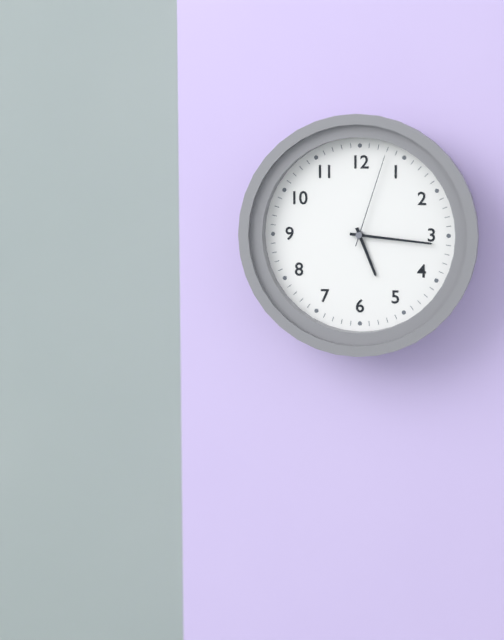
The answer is 5:16:03
